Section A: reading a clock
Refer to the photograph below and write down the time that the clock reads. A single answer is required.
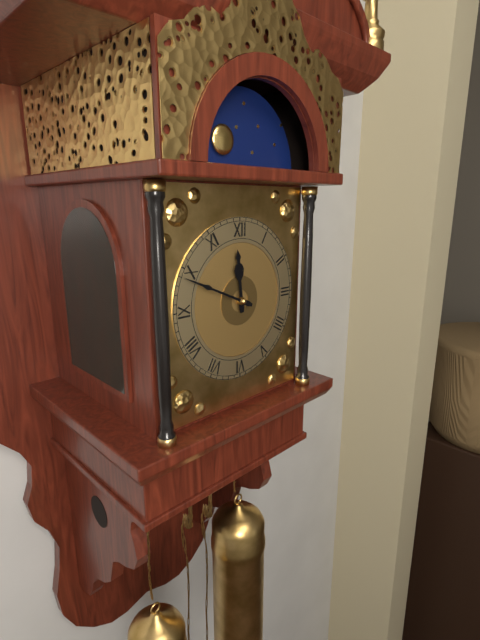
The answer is 11:49
